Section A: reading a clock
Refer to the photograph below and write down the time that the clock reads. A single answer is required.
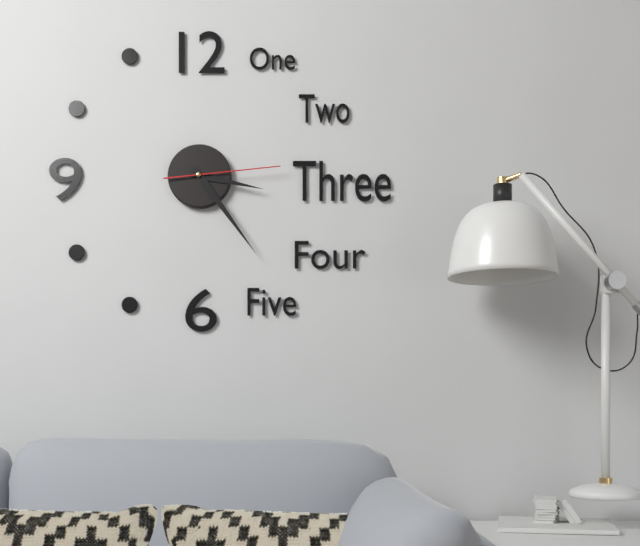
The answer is 3:24:14
